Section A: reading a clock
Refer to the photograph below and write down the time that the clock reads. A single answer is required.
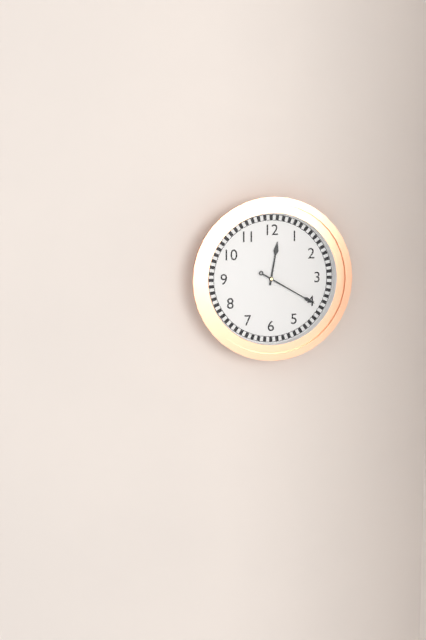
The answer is 12:20
